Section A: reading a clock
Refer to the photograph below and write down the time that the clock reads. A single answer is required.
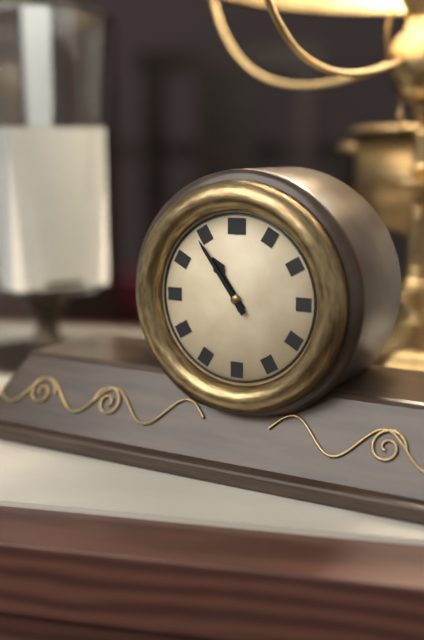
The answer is 10:54
